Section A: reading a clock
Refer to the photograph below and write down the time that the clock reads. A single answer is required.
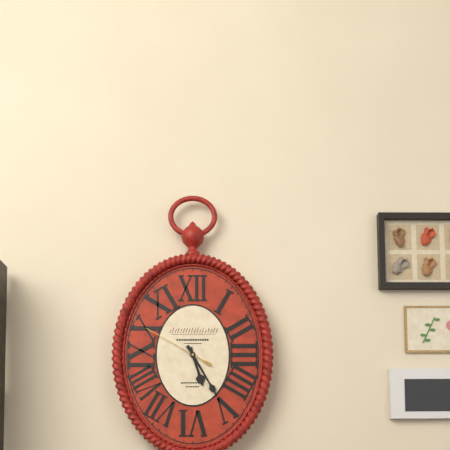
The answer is 5:25:50
